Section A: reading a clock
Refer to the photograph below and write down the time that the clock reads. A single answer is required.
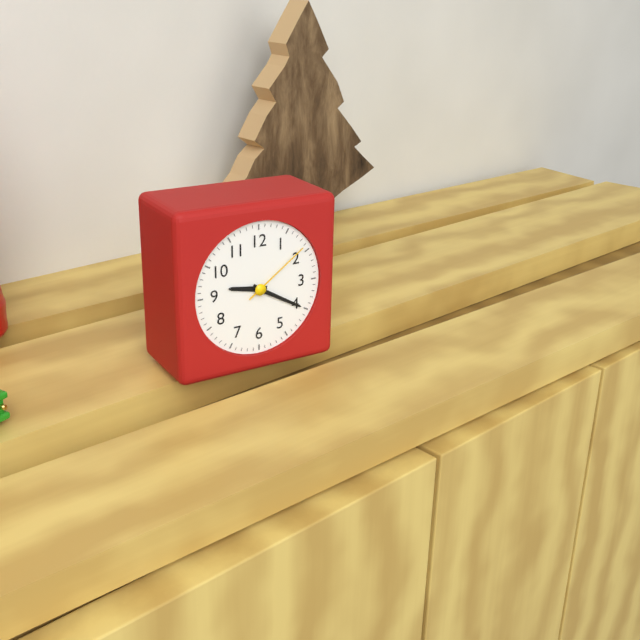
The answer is 9:20:09
